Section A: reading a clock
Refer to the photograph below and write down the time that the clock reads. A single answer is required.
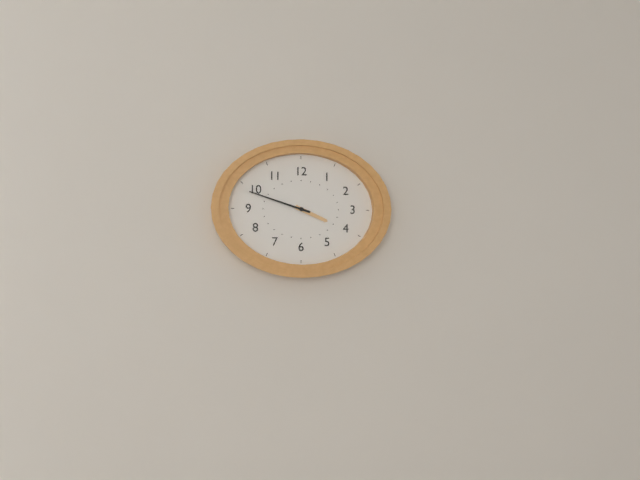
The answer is 3:48
